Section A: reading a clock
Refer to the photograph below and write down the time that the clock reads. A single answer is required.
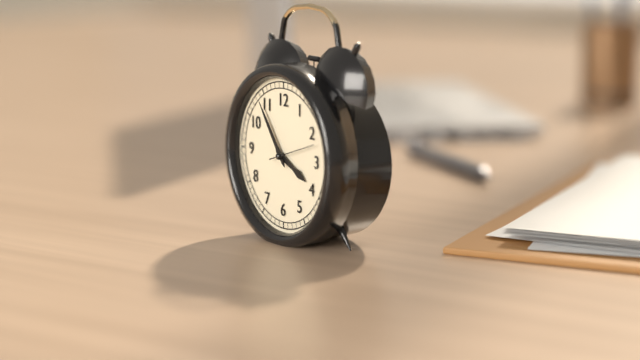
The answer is 3:54
